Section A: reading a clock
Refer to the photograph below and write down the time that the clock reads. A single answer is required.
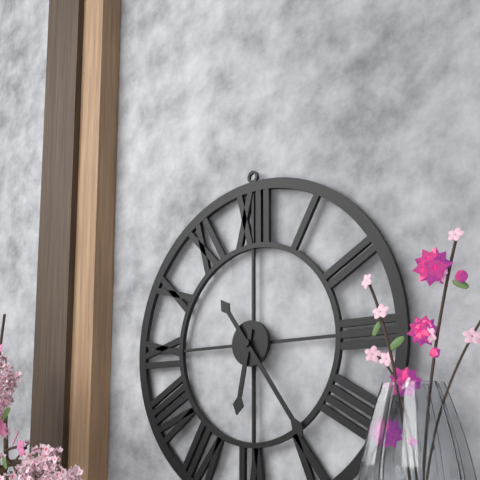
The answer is 6:24
